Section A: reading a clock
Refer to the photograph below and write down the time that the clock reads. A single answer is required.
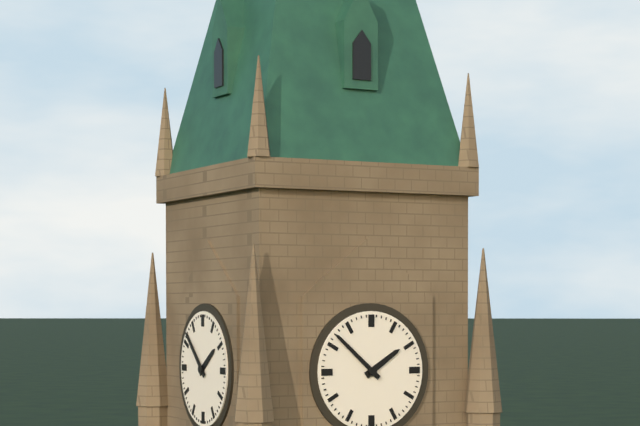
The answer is 1:52
